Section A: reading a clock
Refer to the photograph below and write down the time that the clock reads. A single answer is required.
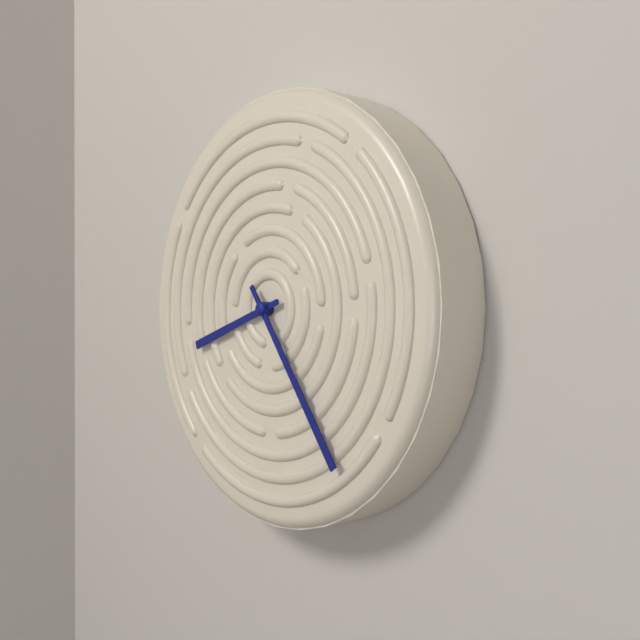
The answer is 8:24
